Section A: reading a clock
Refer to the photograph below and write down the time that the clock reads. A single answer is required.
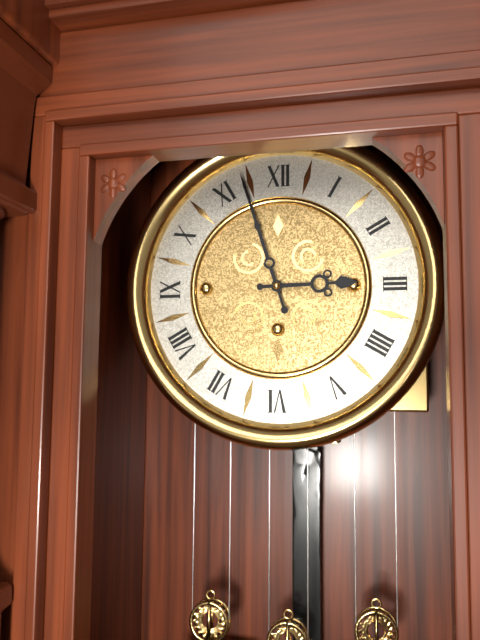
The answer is 2:57
